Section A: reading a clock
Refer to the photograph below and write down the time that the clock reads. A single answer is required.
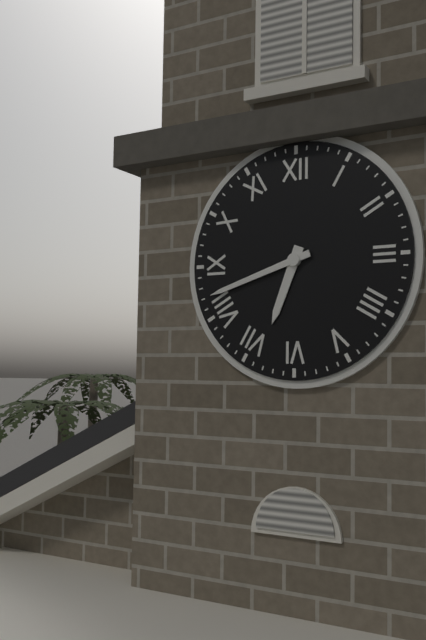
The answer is 6:42
